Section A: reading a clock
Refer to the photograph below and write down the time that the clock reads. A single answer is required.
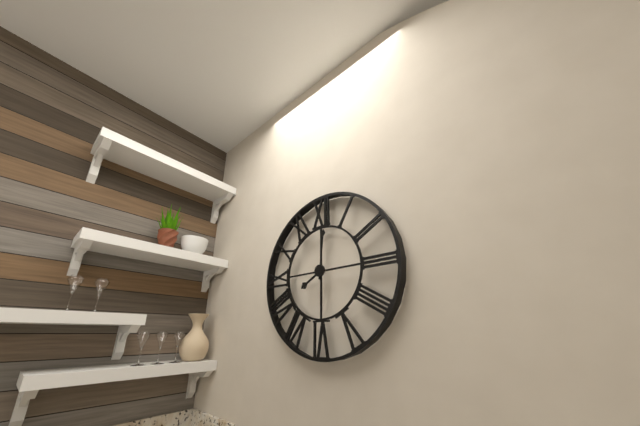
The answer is 8:01
